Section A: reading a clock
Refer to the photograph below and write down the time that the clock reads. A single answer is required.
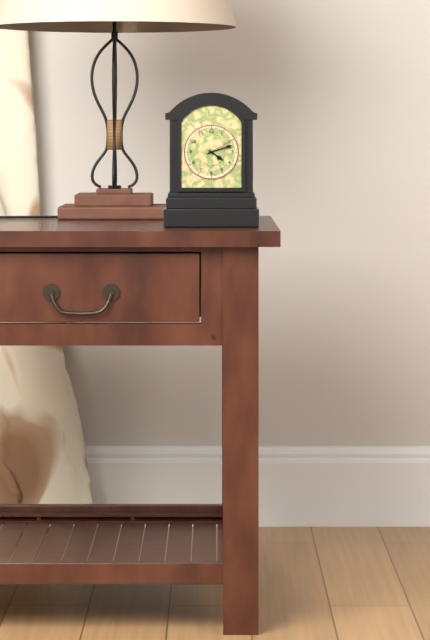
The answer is 4:12
